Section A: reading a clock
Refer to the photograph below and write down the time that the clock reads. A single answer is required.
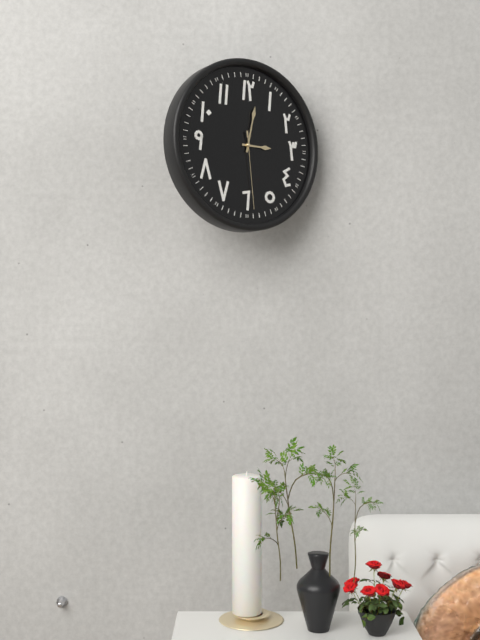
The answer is 3:02:29
